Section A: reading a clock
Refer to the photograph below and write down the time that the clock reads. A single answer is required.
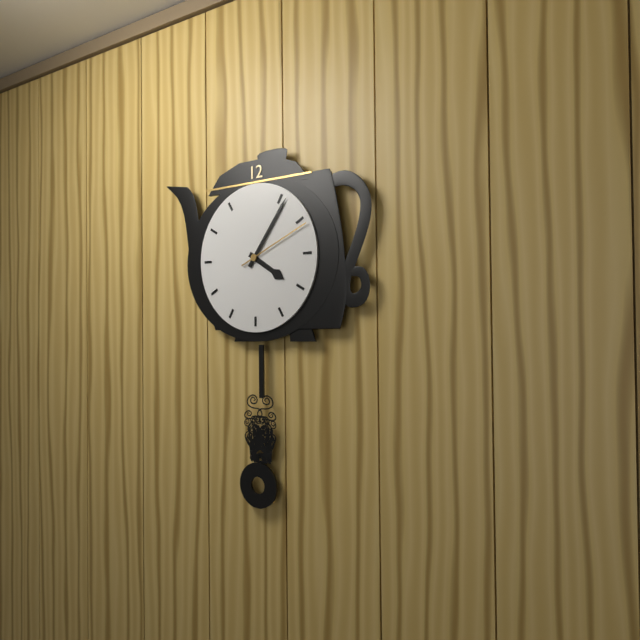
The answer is 4:06:11
